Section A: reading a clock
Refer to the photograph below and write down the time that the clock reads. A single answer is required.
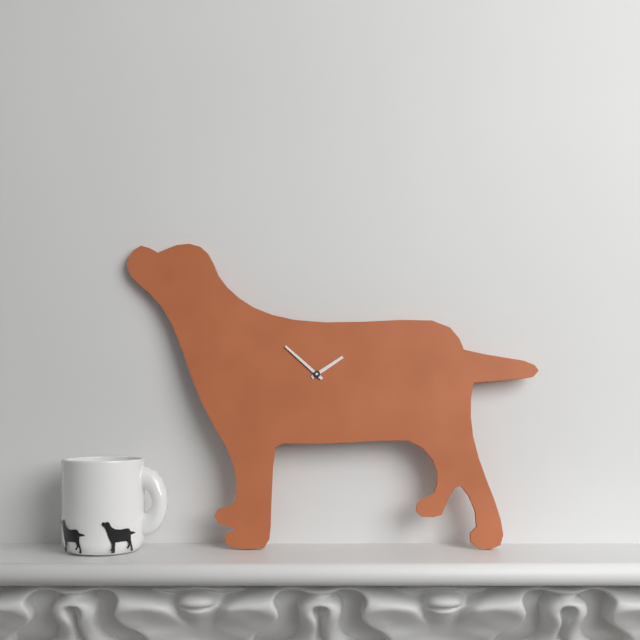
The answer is 1:52
